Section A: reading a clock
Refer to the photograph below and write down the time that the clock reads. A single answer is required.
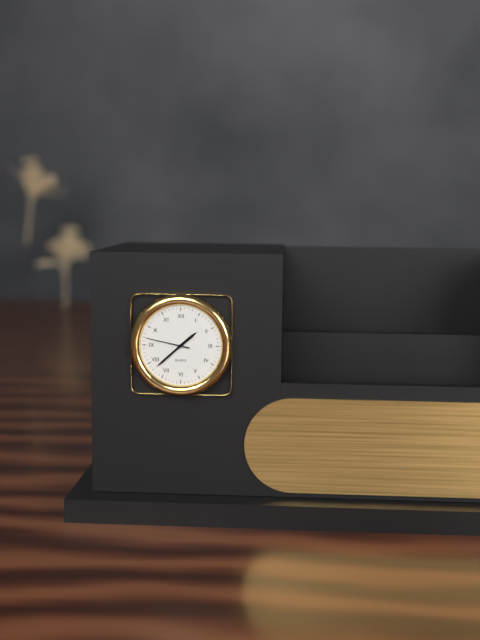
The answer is 1:38
